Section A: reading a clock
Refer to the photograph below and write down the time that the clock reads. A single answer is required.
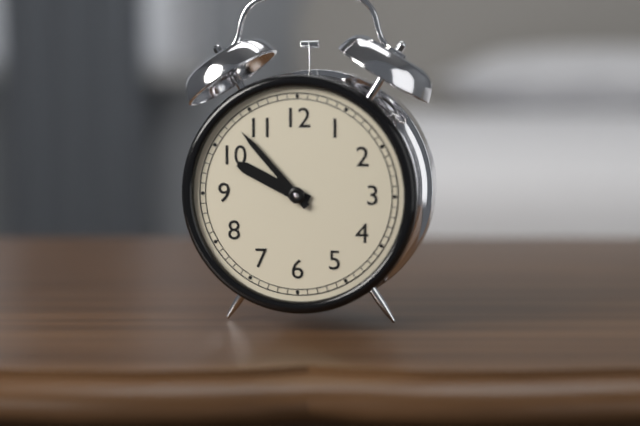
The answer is 9:53
